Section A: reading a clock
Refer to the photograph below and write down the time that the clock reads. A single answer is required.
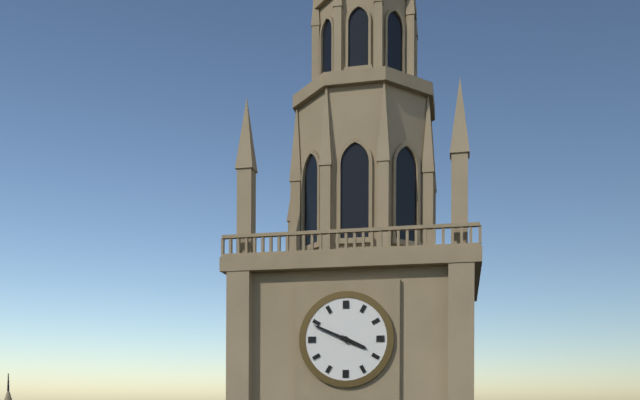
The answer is 3:49
